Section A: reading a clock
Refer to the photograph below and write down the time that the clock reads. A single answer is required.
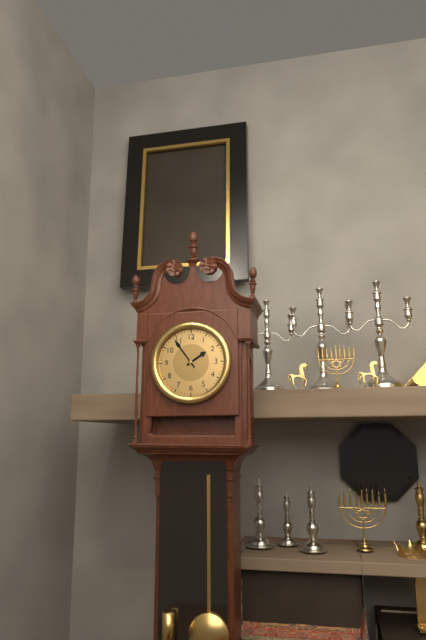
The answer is 1:54
